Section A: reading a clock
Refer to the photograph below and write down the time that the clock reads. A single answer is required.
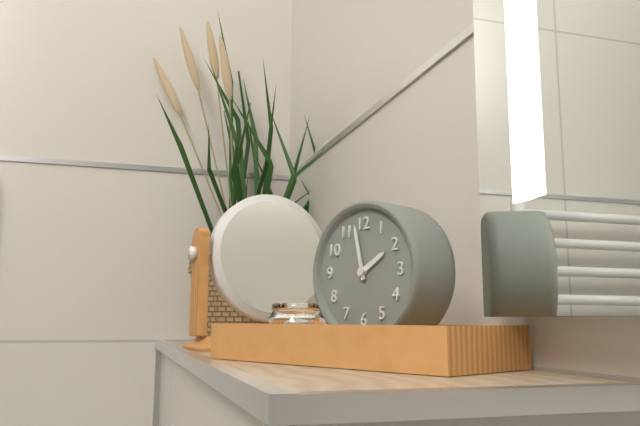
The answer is 1:58
